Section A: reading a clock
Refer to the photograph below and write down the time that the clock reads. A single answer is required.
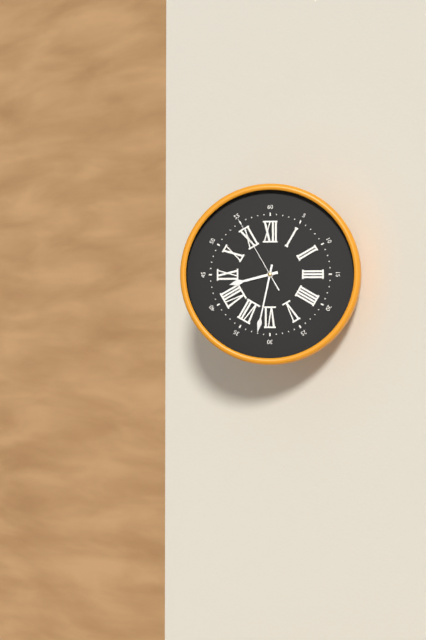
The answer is 8:32:55
